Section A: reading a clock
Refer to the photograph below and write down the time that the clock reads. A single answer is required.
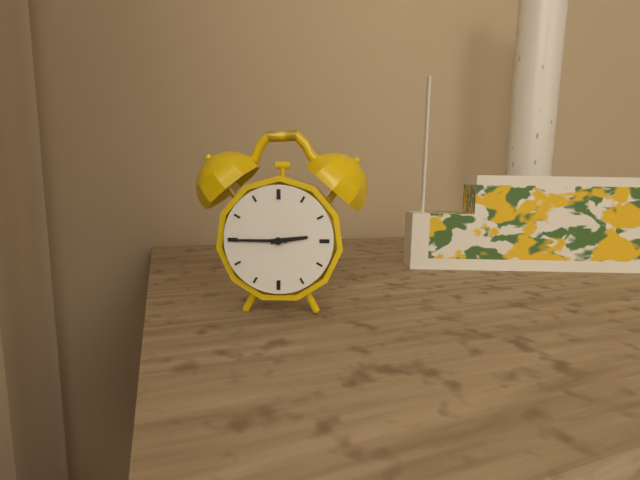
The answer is 2:45
